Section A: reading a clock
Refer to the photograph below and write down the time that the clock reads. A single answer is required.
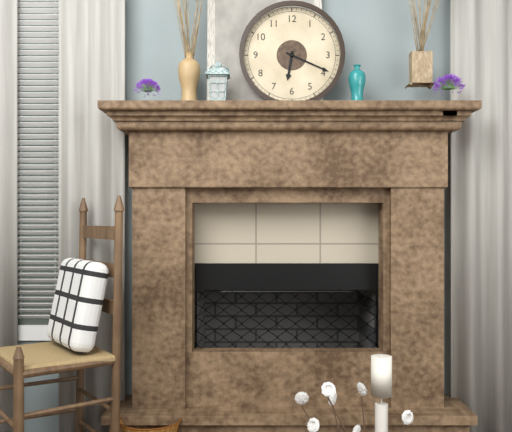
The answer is 6:19
